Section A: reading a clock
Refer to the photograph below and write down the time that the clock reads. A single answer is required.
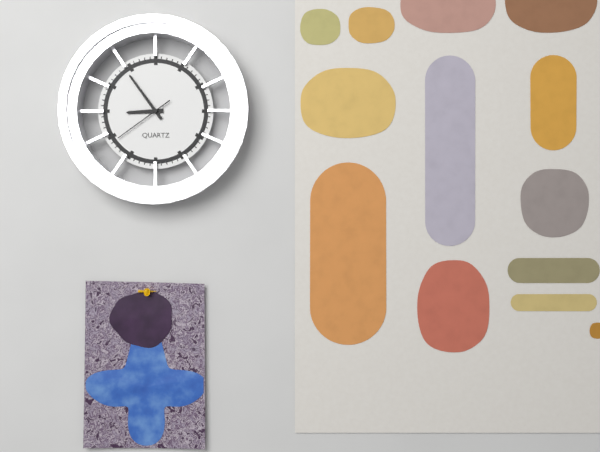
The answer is 8:54:39
